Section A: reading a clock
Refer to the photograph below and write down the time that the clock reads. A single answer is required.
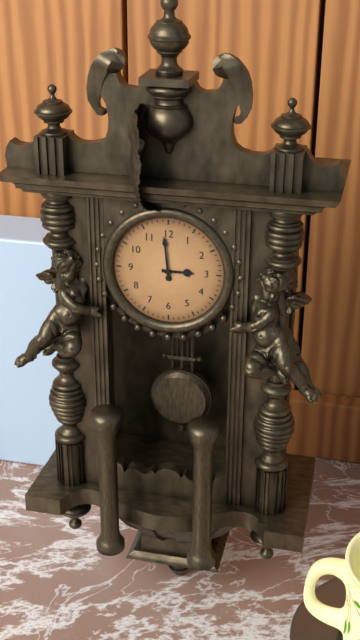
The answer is 2:59
